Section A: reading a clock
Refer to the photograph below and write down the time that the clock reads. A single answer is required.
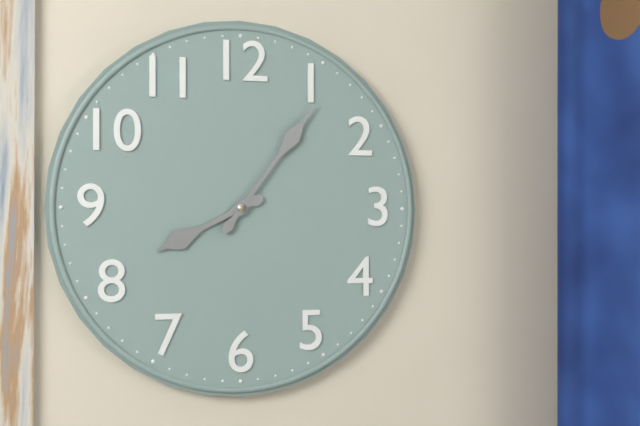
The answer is 8:06
